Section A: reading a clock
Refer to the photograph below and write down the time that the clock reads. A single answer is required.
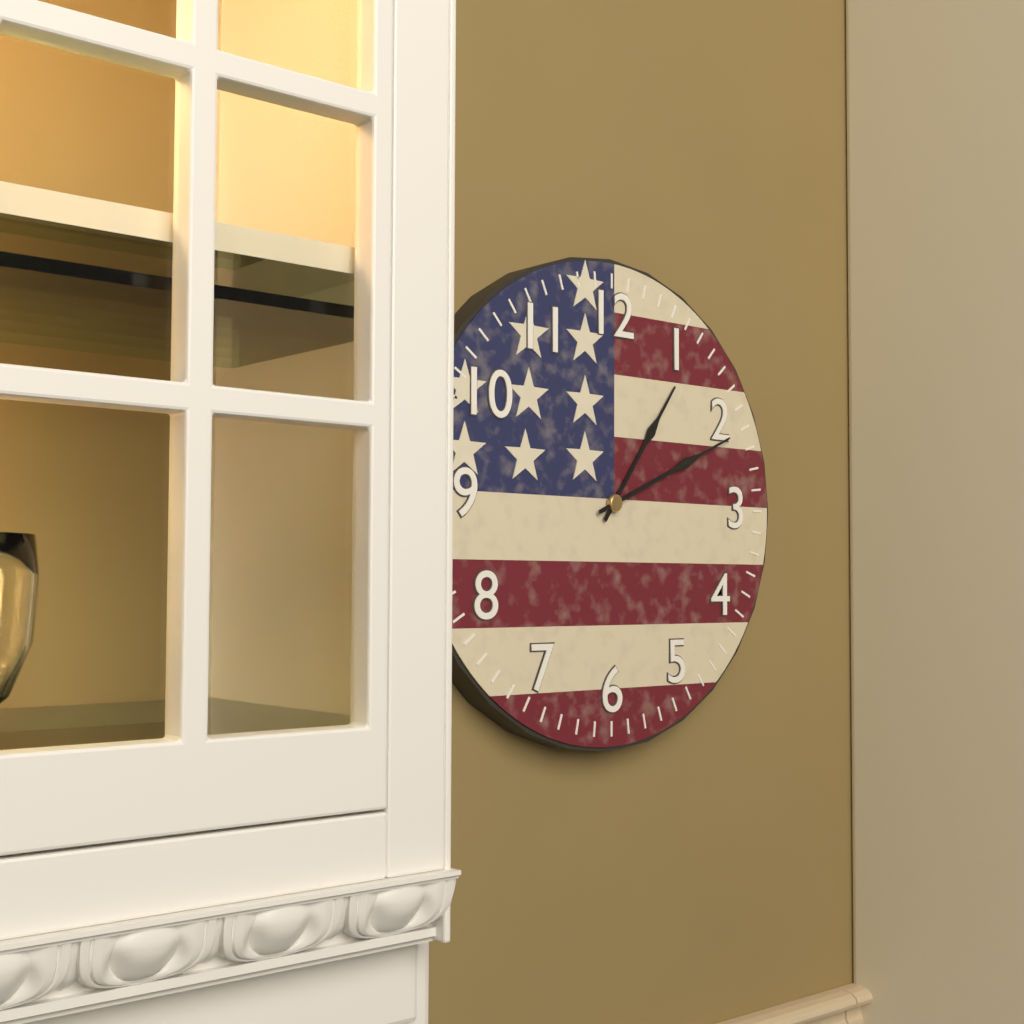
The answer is 1:11
